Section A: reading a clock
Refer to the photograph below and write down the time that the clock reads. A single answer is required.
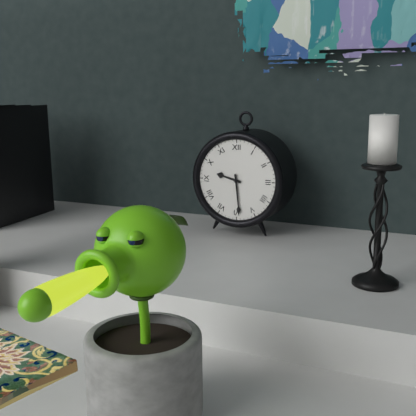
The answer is 9:29
